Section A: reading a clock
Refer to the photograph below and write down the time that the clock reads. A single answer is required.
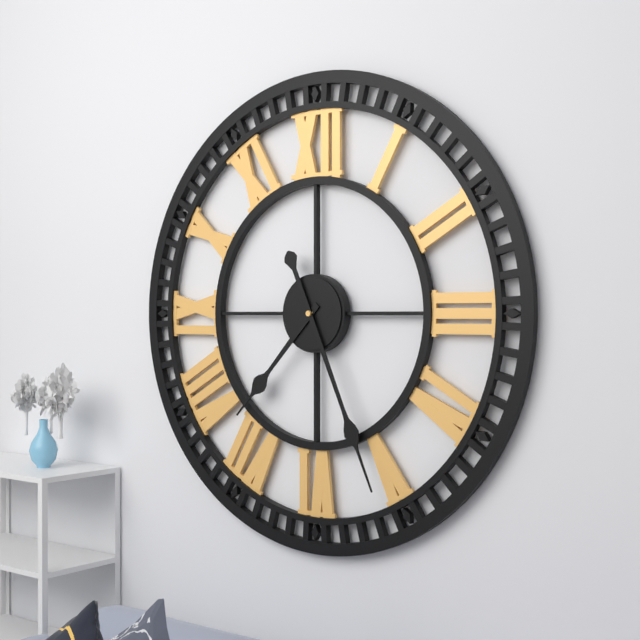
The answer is 7:26
